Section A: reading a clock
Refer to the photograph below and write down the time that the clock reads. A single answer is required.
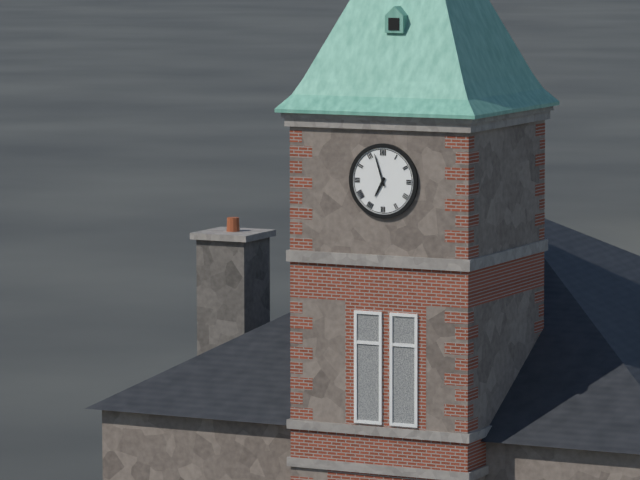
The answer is 6:57
